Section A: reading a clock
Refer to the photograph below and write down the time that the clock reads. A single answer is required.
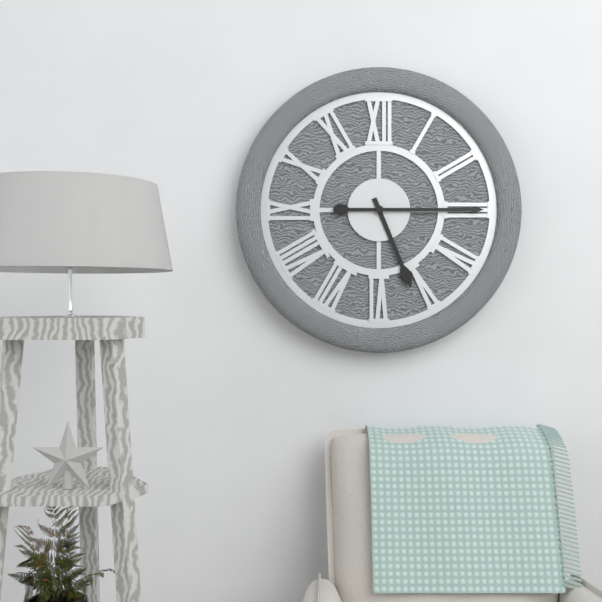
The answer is 5:15
